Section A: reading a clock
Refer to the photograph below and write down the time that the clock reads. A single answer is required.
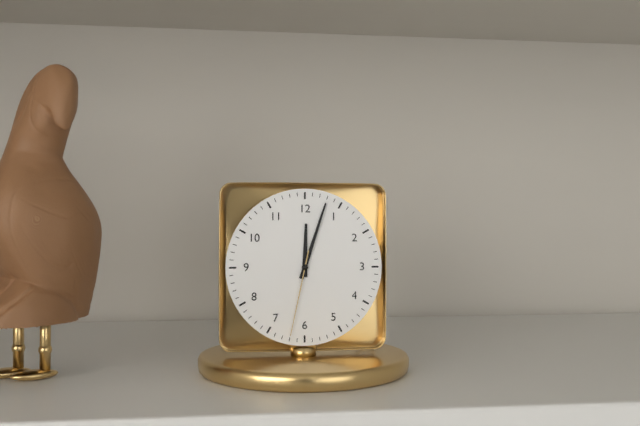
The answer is 12:03:32
